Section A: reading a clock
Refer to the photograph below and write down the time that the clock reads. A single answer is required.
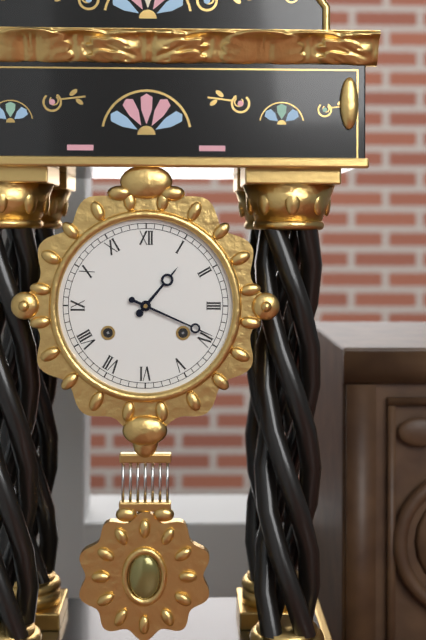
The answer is 1:19
